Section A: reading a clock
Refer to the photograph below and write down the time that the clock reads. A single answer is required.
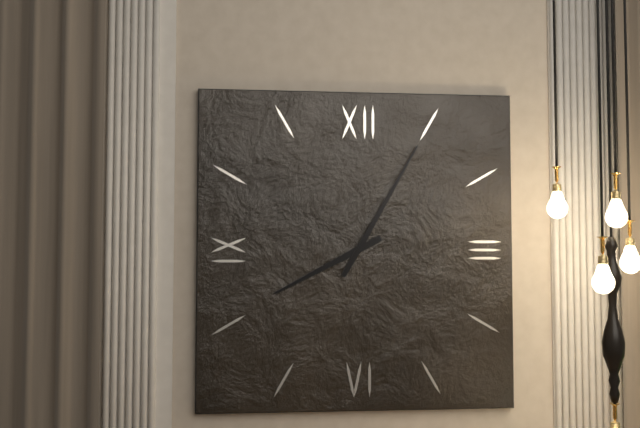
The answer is 8:05
